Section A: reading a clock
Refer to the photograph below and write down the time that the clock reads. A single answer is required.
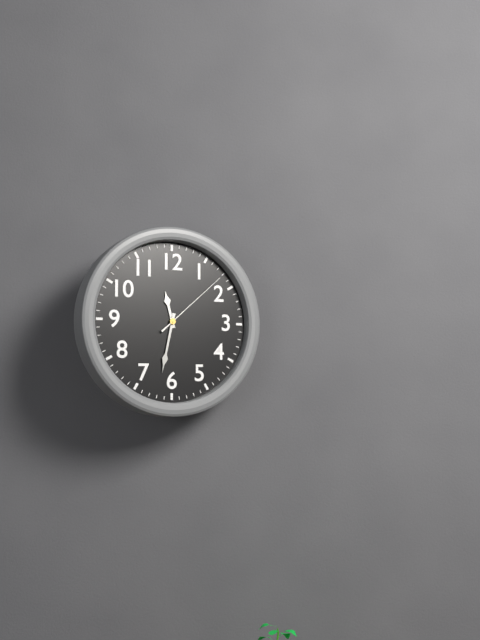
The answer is 11:32:08
